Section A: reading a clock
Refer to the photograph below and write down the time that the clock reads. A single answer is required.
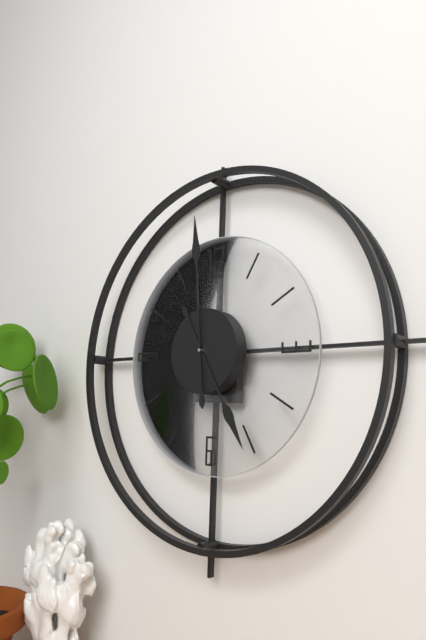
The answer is 4:59
